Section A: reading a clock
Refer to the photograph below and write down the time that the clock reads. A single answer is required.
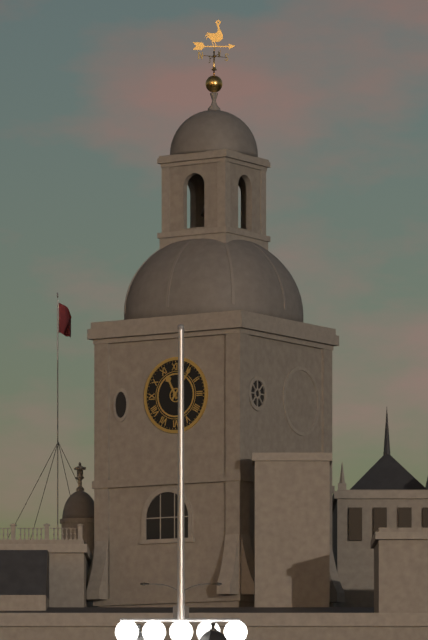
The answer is 11:06
